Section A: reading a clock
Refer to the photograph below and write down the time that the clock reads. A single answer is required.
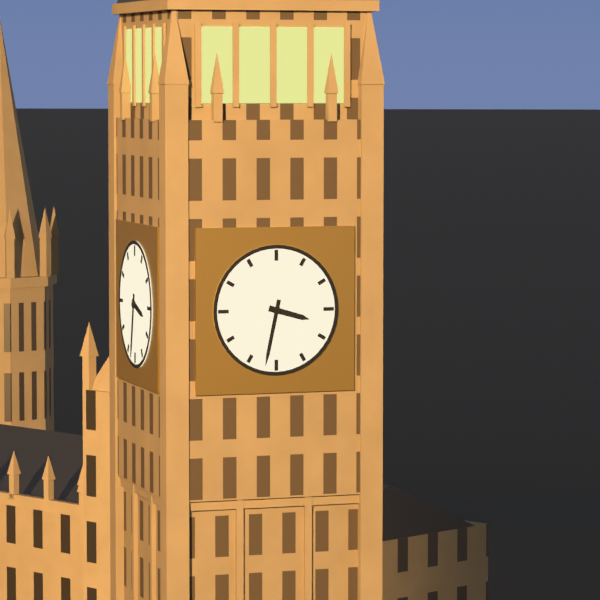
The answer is 3:32
